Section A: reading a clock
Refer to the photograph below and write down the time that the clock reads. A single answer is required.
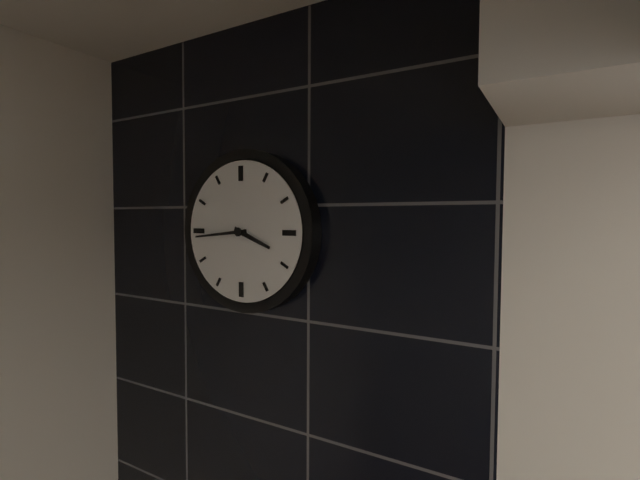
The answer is 3:44
